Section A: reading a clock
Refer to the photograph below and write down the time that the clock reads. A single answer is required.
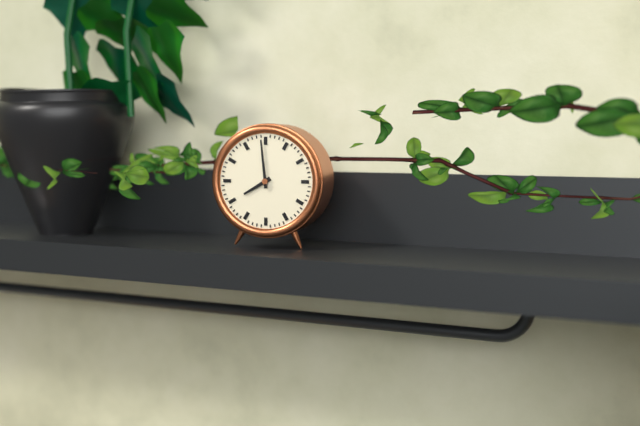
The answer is 7:59
